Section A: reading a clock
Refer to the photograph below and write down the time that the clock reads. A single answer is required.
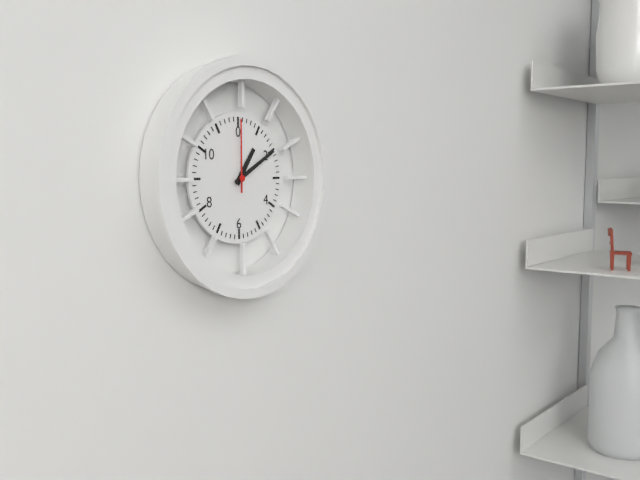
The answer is 1:10:00
